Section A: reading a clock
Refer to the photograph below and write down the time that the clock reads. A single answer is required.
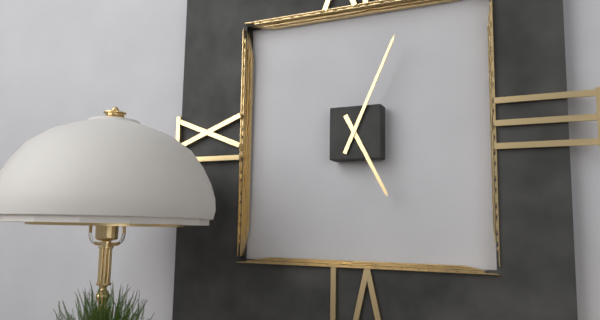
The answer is 5:04
